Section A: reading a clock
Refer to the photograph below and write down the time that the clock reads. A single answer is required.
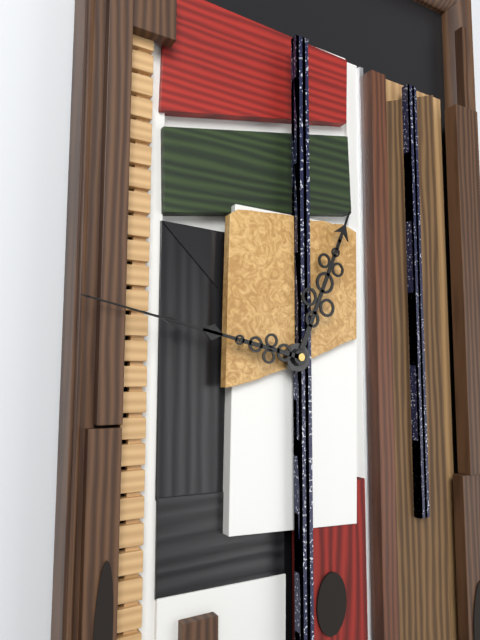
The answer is 12:47
